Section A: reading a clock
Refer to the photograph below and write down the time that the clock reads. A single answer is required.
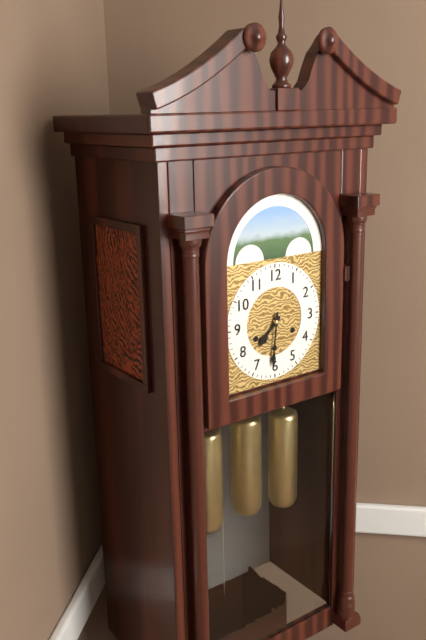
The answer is 7:31
